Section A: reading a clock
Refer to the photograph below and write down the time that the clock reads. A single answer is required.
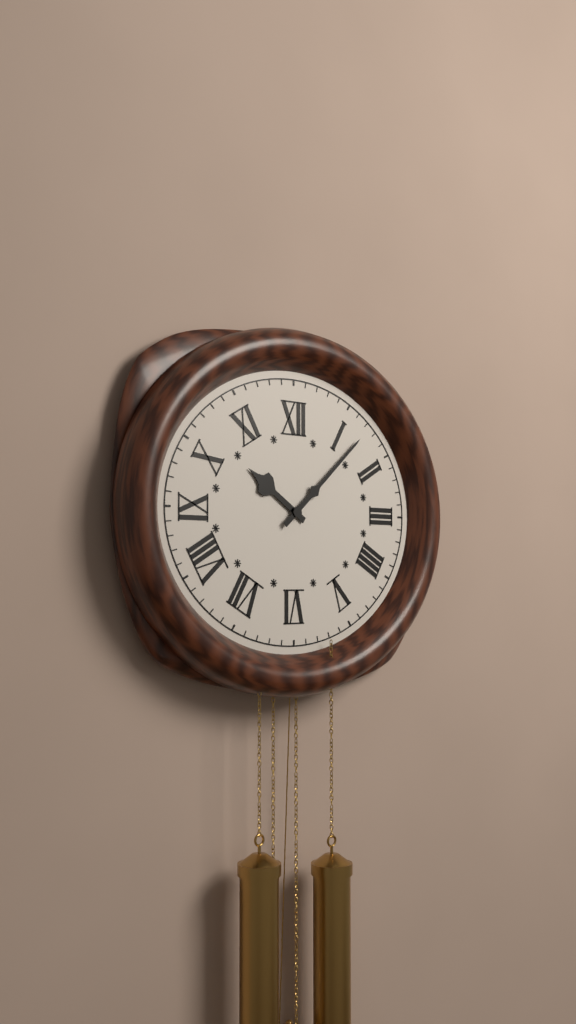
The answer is 10:08
